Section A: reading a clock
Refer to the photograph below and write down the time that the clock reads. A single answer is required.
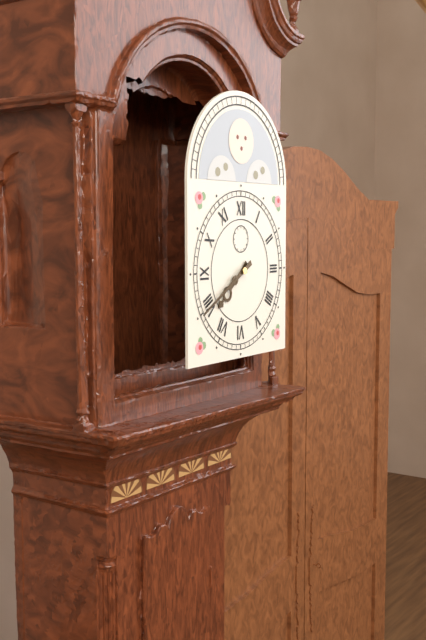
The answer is 7:40
